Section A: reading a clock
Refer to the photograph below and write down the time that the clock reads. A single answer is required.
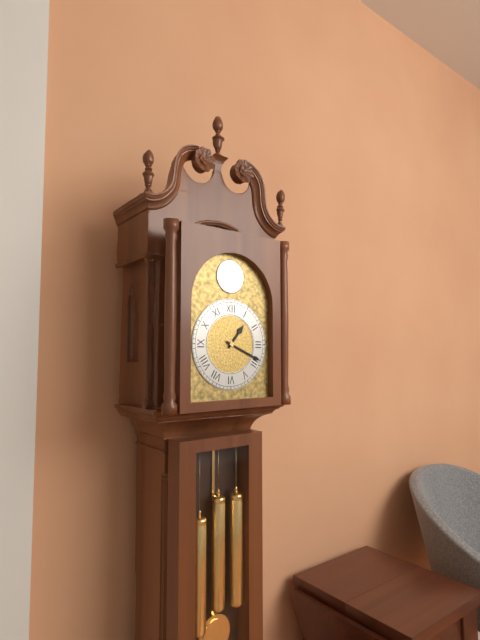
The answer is 1:19
